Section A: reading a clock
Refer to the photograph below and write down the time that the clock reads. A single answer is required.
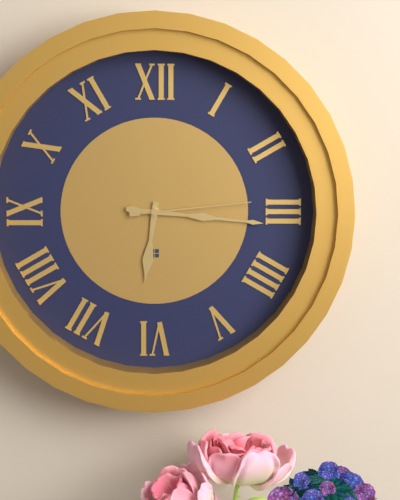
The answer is 6:16:14
